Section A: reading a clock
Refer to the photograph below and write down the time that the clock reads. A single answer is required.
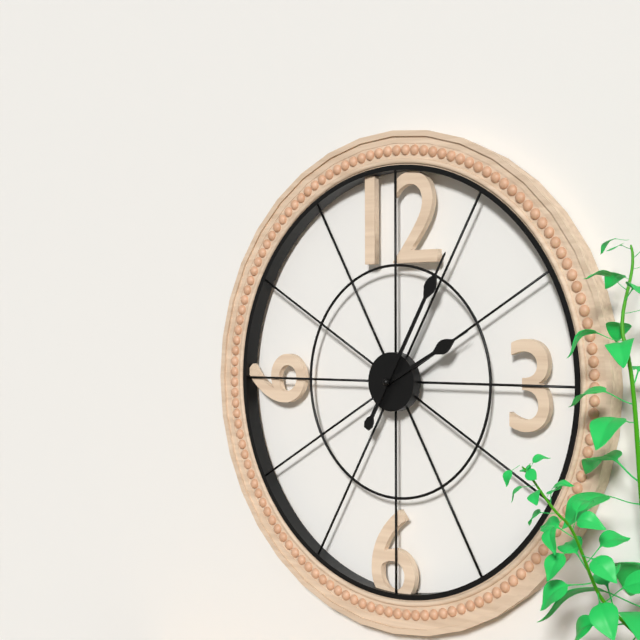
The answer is 2:05
